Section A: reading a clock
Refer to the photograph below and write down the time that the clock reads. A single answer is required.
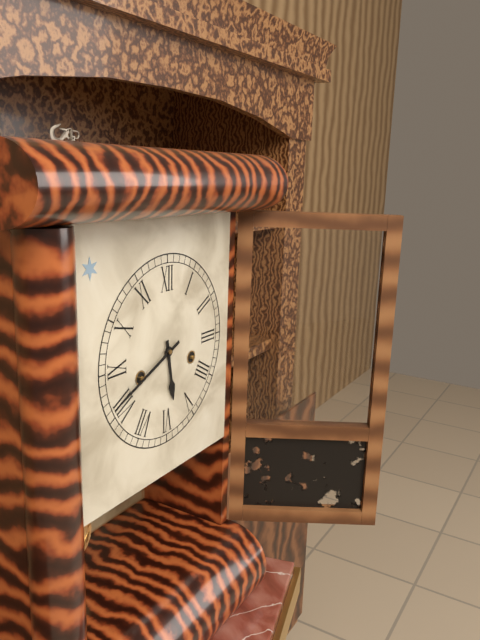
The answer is 5:41
